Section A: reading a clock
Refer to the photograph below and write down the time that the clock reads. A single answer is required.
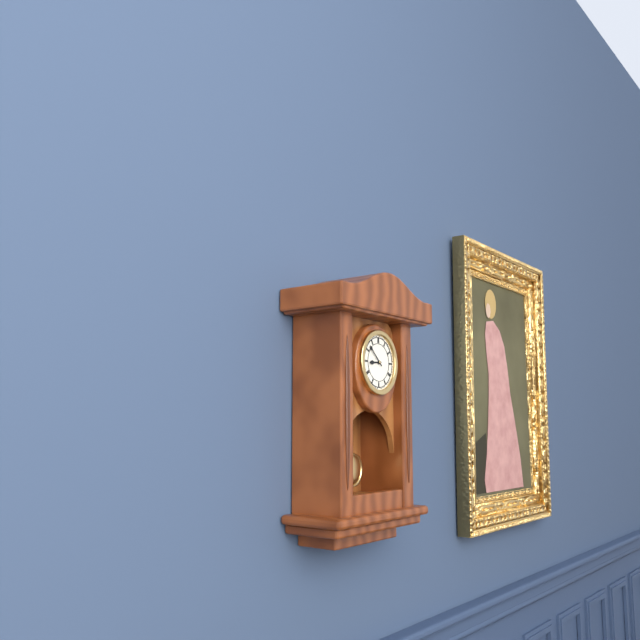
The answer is 8:52
